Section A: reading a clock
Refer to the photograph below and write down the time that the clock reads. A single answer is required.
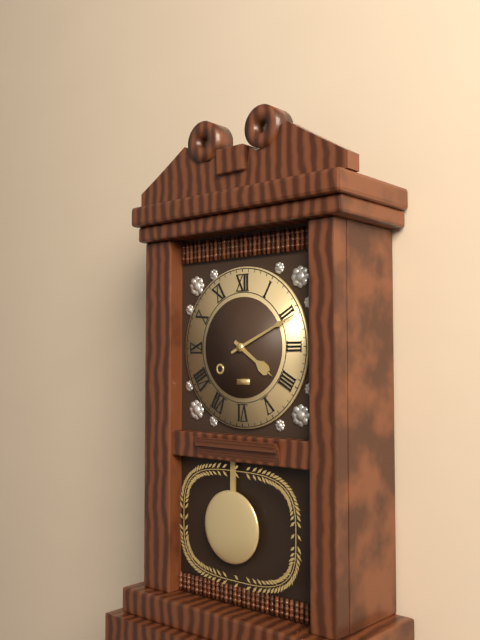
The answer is 4:11
